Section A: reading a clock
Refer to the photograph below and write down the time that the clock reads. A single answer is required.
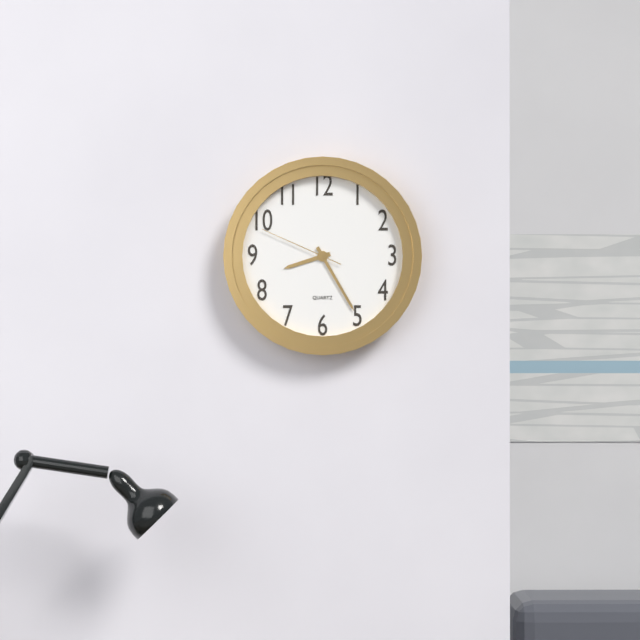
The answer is 8:25:49
